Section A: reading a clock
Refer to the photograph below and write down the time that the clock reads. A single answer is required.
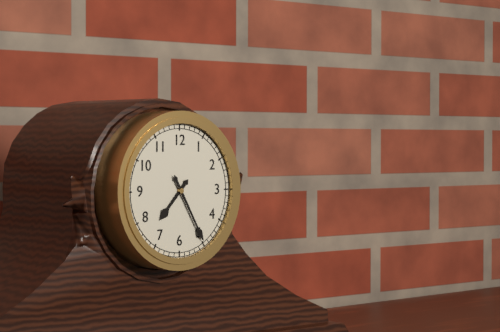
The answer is 7:25
